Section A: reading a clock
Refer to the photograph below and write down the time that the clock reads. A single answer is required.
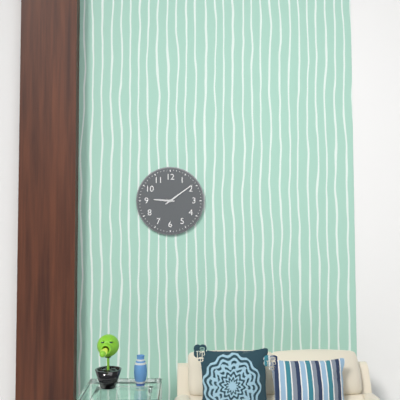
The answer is 9:09
